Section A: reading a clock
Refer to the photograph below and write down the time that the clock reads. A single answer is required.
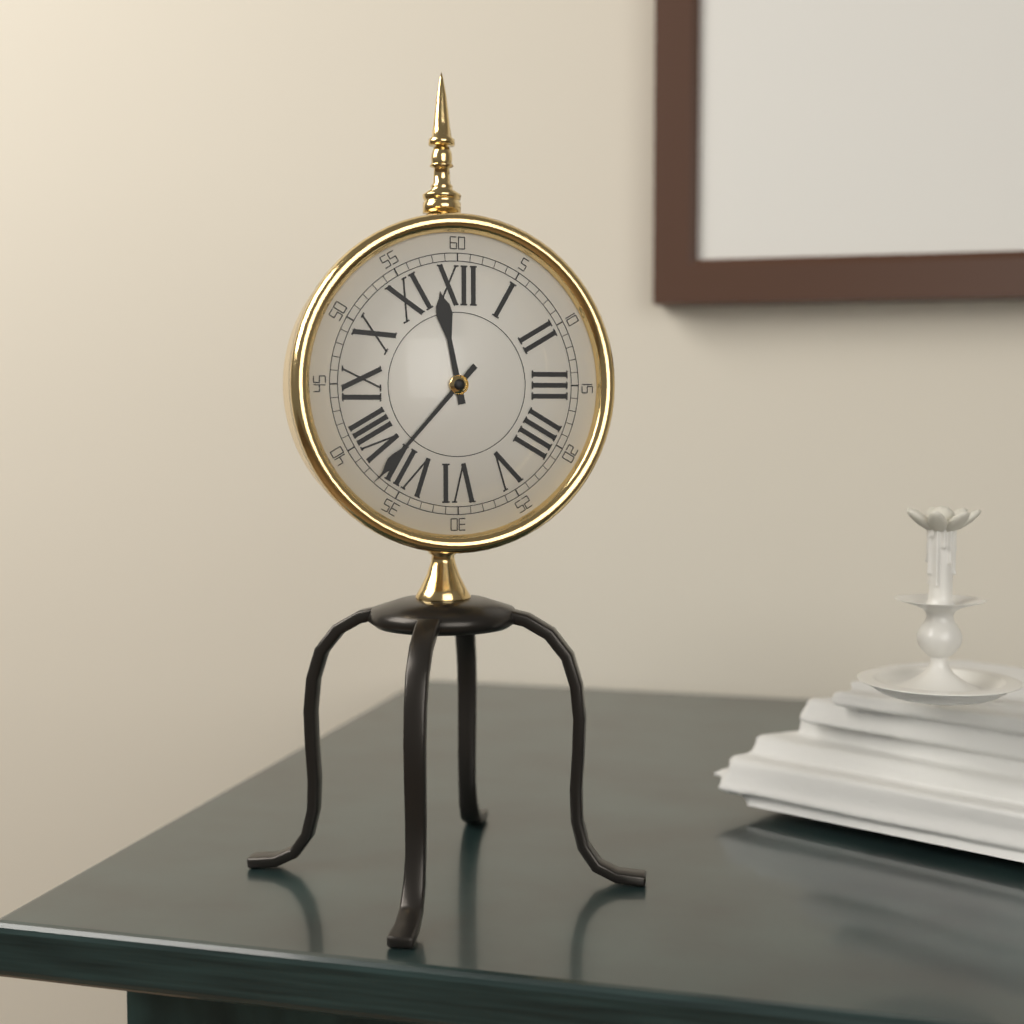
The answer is 11:37
